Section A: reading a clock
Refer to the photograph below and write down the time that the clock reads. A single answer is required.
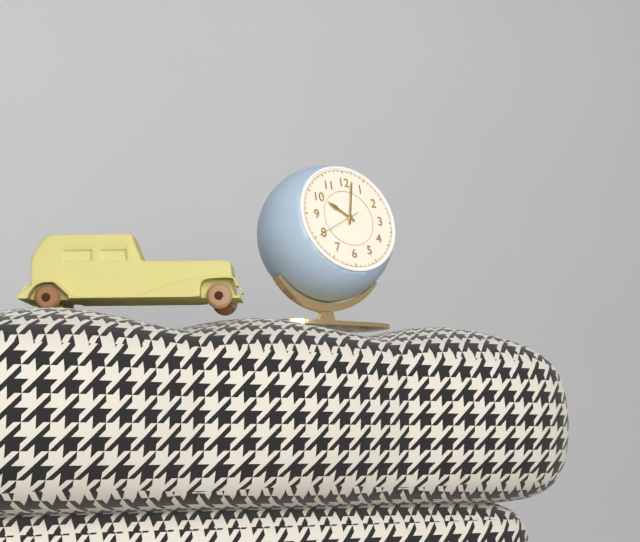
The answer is 10:02
